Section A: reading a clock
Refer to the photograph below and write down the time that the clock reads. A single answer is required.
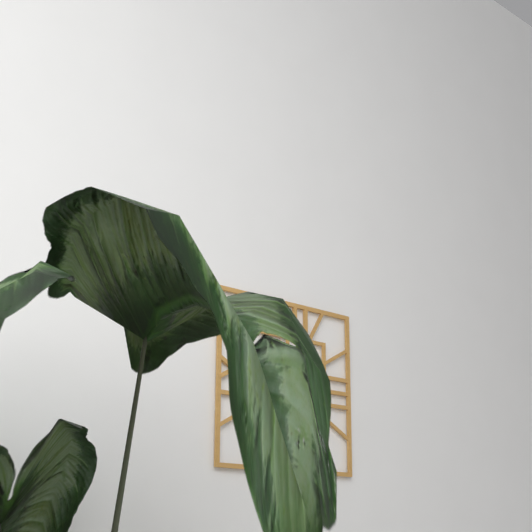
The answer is 5:55
